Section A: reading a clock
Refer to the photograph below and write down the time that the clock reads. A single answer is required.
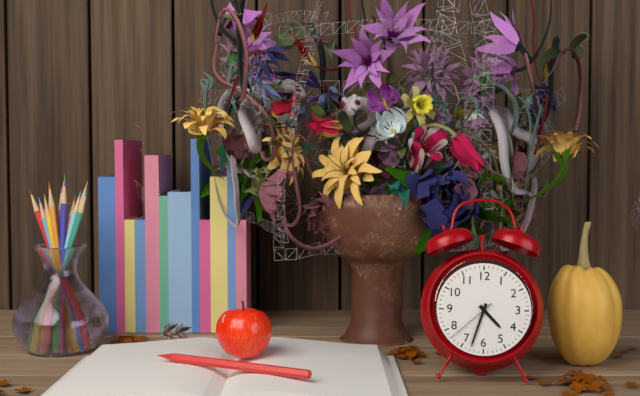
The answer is 4:33:38
